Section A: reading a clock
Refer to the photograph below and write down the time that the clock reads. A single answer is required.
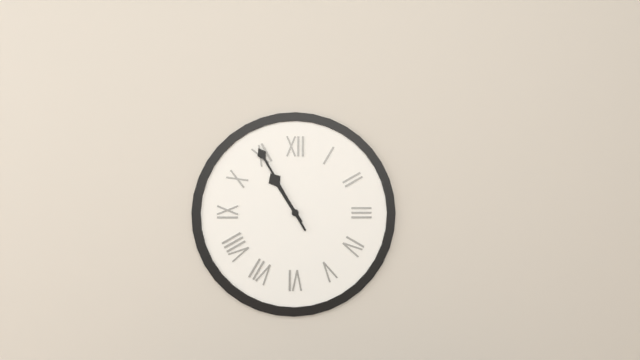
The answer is 10:55
